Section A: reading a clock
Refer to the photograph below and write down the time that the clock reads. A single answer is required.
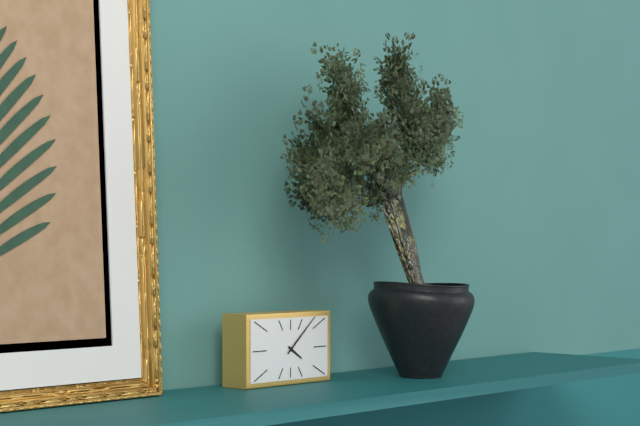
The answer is 4:08
